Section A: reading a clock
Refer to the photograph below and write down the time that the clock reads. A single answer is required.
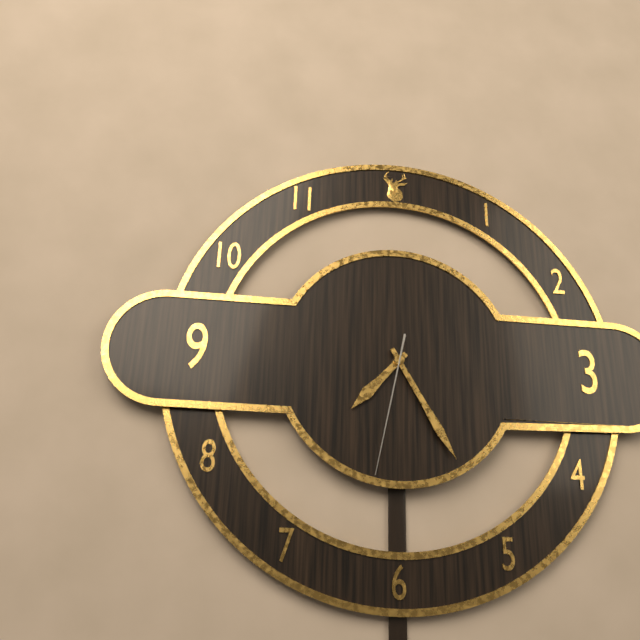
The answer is 7:25:32
